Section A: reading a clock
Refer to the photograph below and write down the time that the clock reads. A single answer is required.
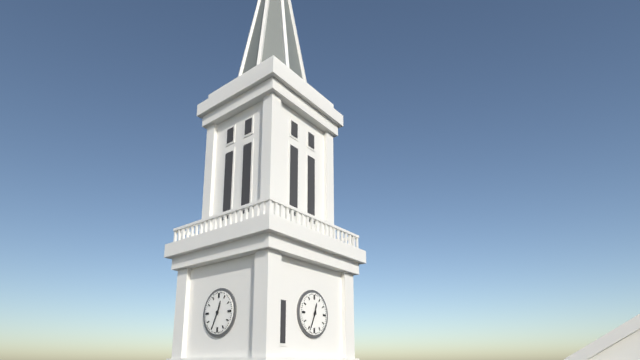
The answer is 12:34
